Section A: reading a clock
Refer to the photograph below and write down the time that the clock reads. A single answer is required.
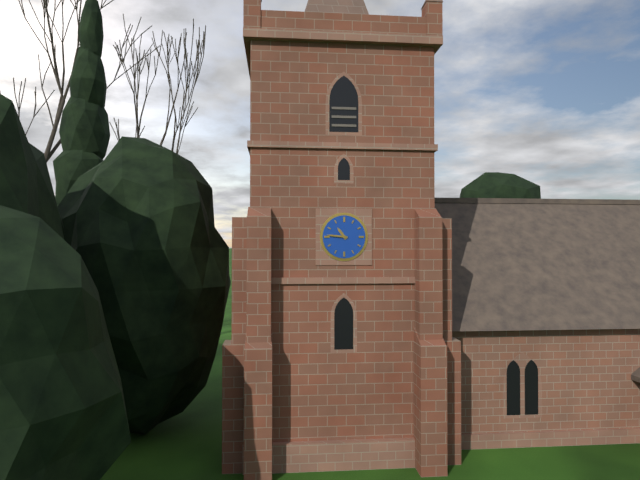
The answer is 10:46
